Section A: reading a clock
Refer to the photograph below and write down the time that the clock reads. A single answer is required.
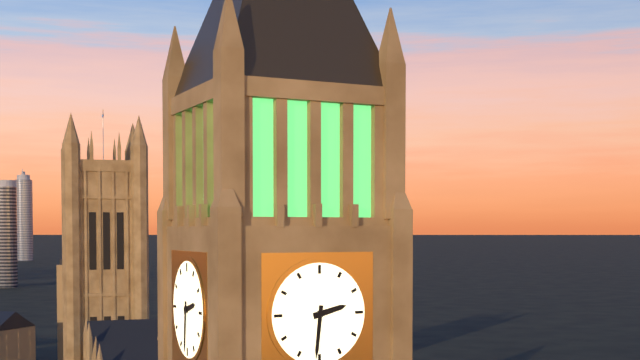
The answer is 2:31
